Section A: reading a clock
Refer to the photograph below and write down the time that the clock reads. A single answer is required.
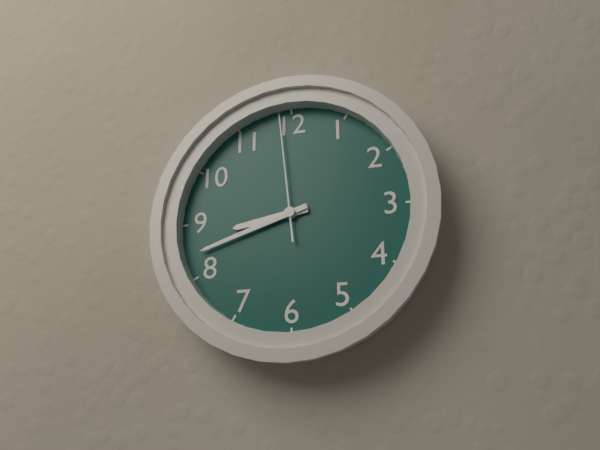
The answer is 8:42:59
